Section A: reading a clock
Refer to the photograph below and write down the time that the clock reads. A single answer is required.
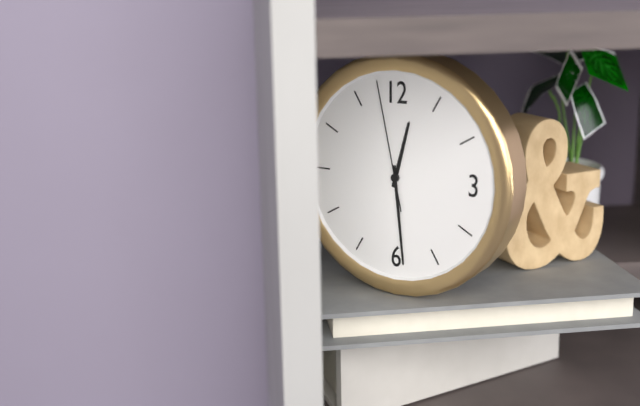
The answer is 12:29:58
